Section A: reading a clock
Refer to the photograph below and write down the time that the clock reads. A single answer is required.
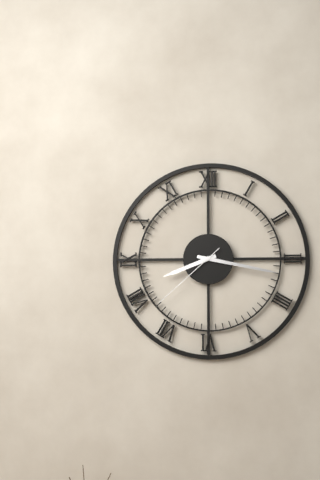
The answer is 8:17:38
